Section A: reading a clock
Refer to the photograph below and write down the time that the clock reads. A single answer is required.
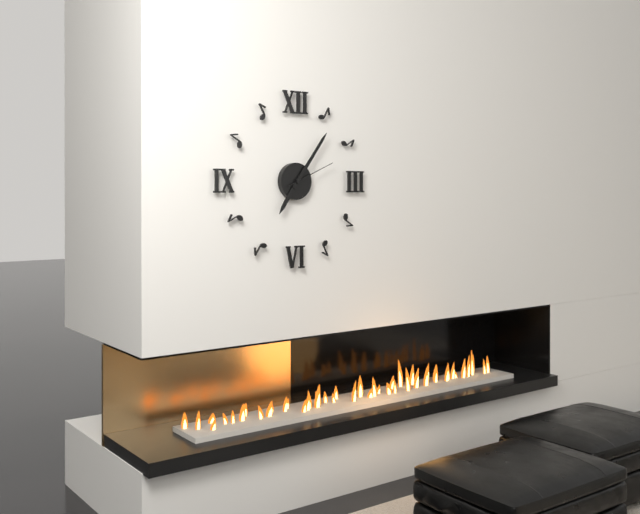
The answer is 7:06:11
